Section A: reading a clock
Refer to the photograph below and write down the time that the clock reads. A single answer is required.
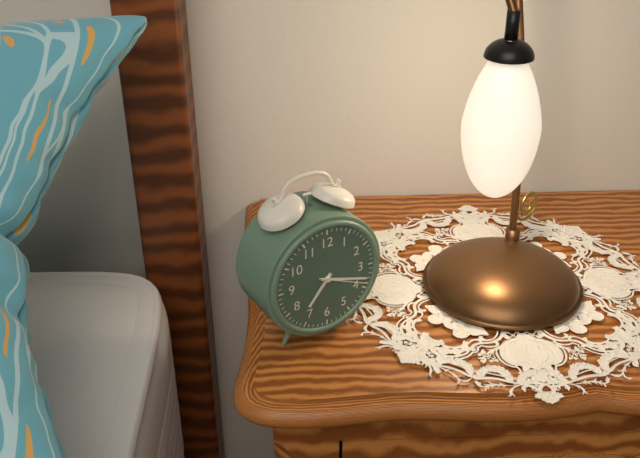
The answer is 7:18
